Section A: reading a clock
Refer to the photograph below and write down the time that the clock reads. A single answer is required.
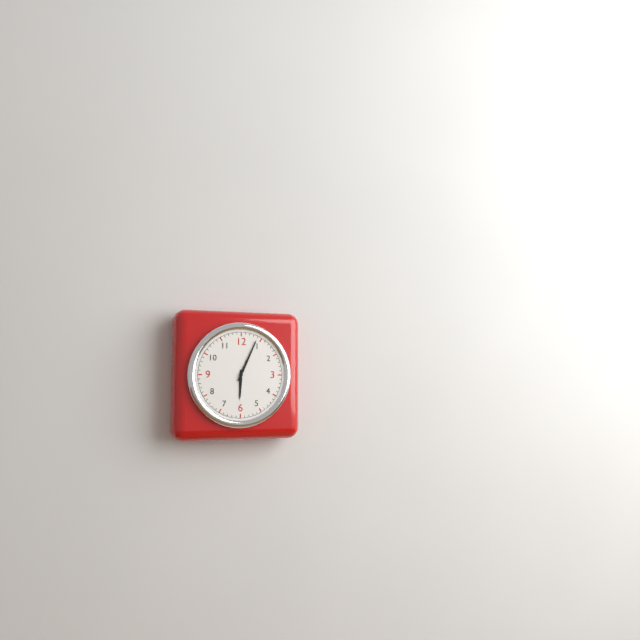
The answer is 6:04
